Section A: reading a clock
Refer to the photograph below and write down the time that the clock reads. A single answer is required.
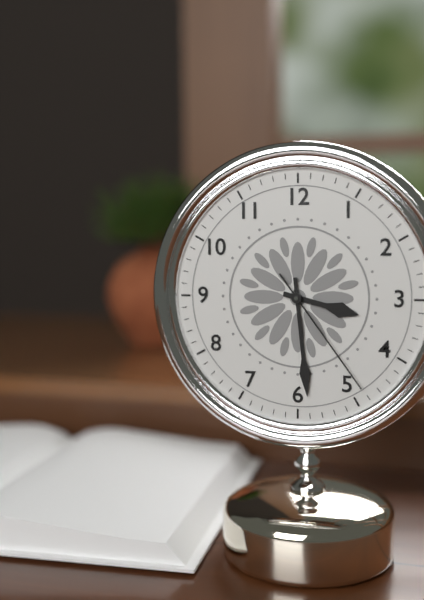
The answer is 3:29:24
